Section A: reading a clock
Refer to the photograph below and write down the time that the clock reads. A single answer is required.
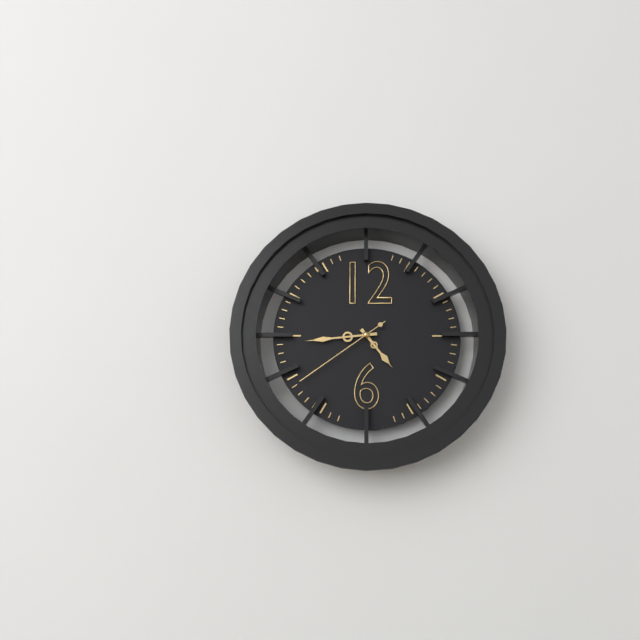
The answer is 4:44:39
